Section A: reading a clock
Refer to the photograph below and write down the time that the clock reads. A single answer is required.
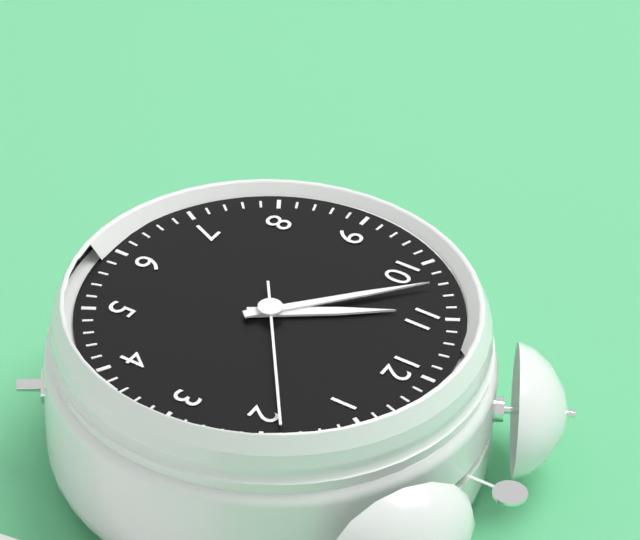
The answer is 10:52:09
